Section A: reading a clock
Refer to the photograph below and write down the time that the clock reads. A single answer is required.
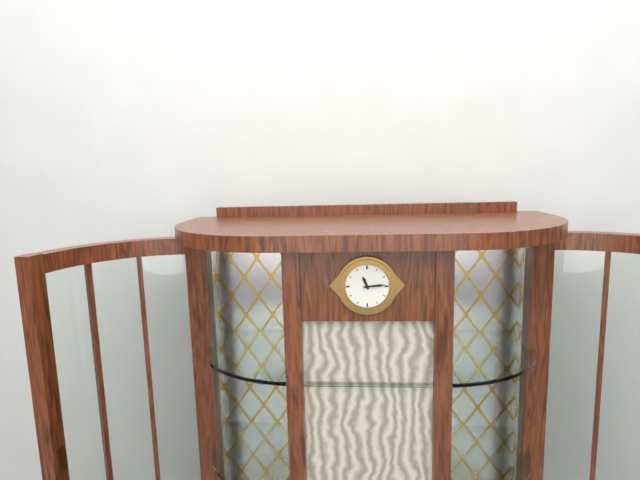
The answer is 11:14
